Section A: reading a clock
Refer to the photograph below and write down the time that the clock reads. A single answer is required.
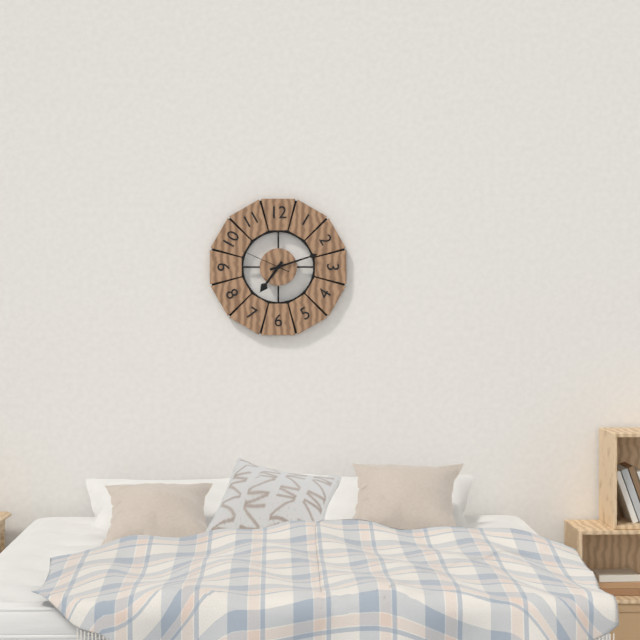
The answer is 7:12:49
